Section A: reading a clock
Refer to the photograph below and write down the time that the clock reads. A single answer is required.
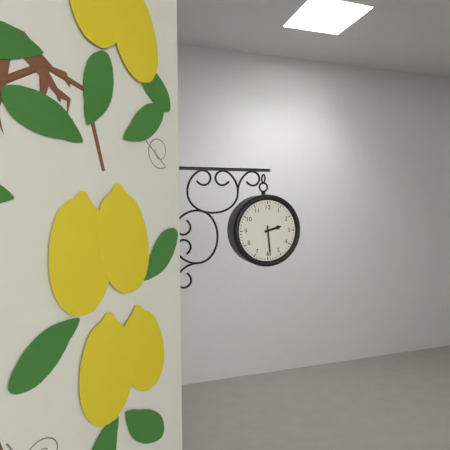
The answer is 2:29
